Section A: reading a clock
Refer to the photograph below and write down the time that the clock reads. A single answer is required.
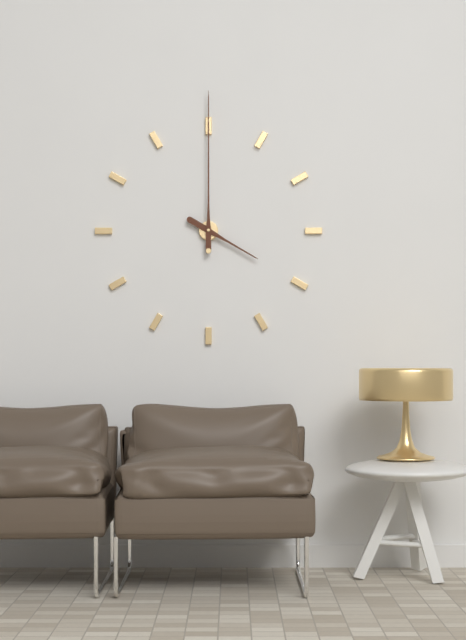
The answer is 4:00
